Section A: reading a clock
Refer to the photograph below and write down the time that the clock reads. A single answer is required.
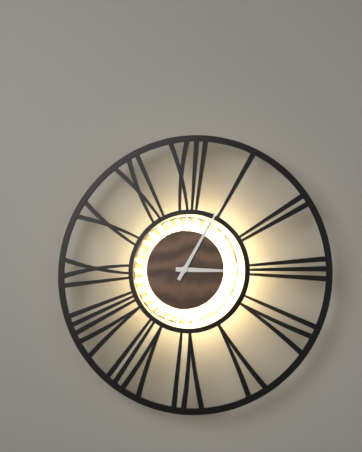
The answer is 3:05
